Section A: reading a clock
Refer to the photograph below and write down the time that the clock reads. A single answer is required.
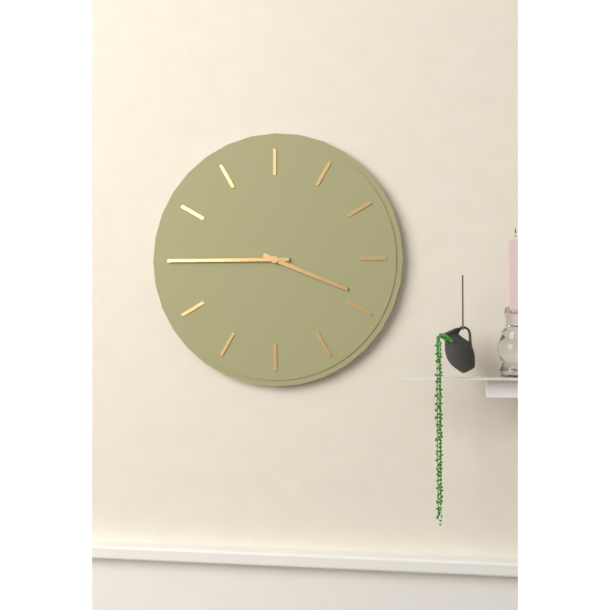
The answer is 3:45
